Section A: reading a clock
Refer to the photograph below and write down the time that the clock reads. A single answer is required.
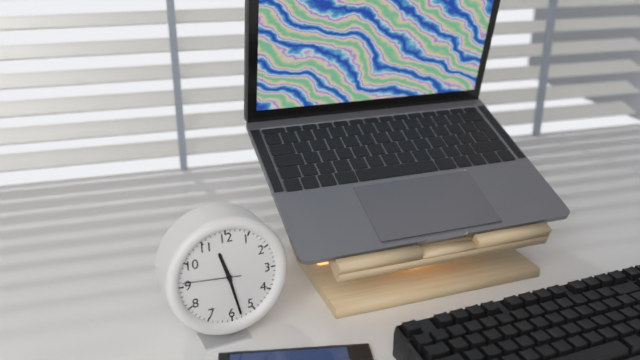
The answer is 11:28:46
